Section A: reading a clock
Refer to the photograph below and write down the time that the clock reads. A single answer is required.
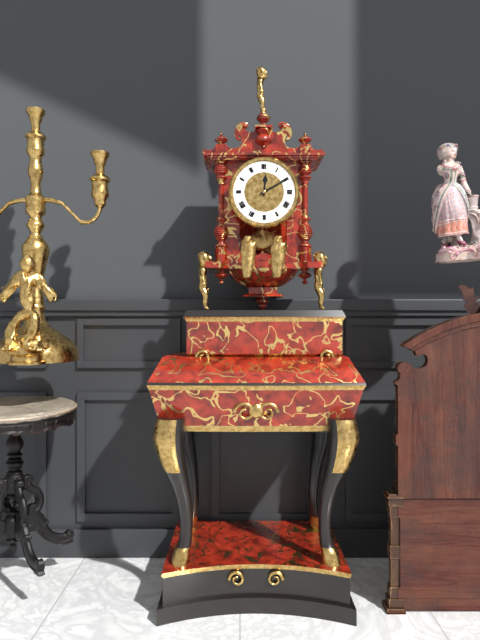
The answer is 12:10
